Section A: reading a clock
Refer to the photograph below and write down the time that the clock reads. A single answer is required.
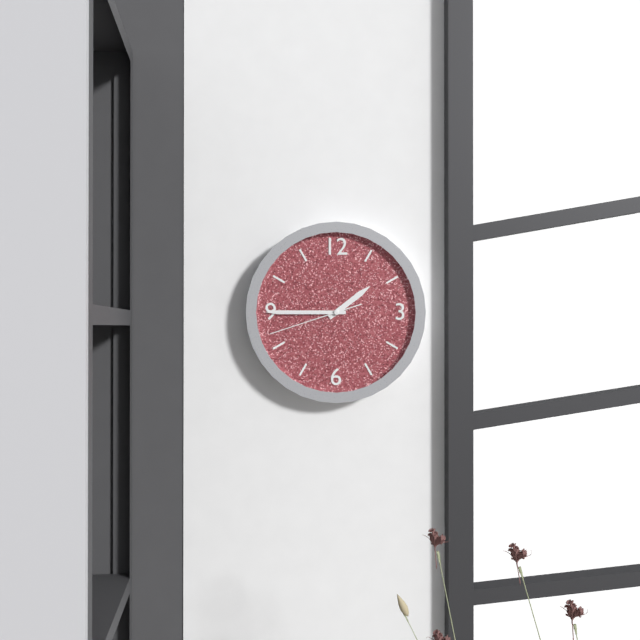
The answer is 1:45:42
